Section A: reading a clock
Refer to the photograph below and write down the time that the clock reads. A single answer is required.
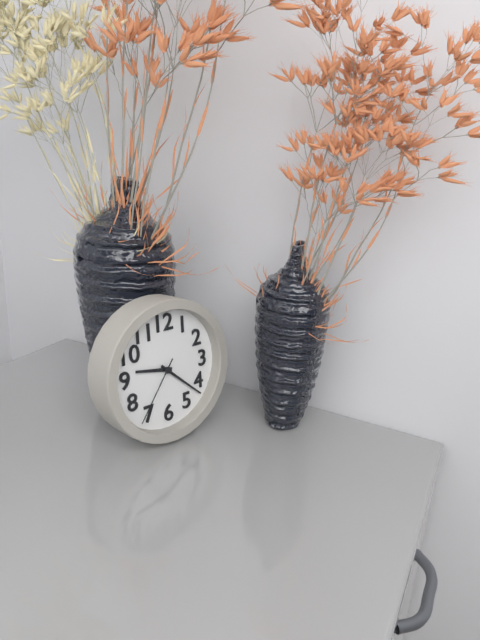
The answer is 9:22:36
